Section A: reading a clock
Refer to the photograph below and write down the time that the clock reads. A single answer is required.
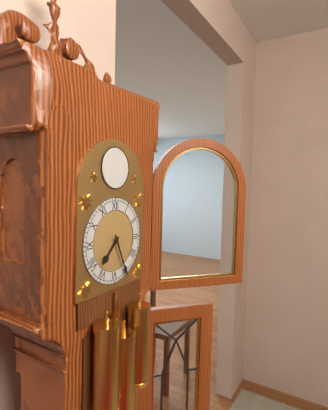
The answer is 7:26
